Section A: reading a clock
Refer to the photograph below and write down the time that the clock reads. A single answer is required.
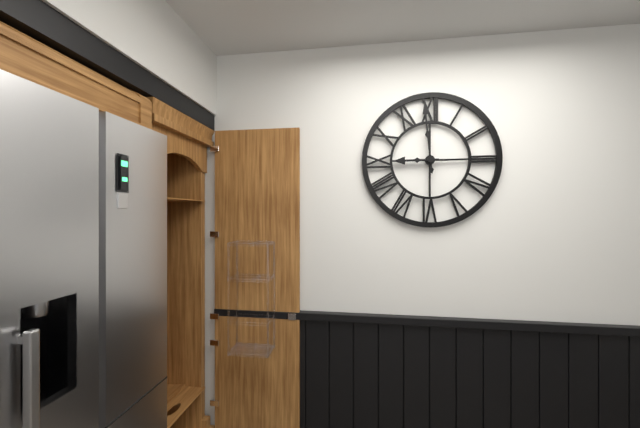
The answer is 8:59
